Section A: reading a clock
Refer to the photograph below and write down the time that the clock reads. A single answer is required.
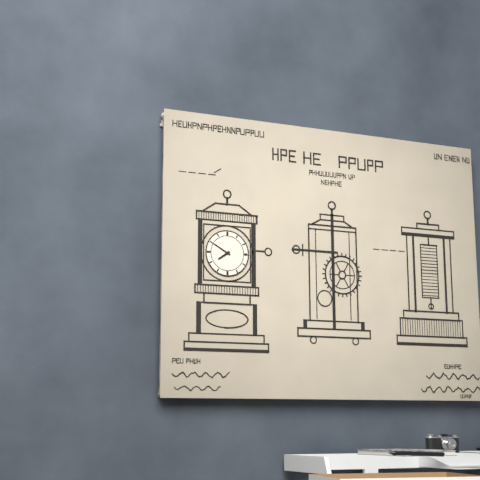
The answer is 7:50
